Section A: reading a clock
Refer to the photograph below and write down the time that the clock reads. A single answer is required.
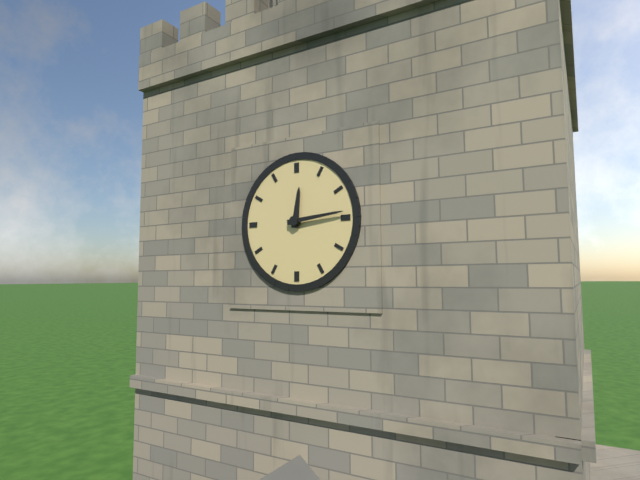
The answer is 12:14
